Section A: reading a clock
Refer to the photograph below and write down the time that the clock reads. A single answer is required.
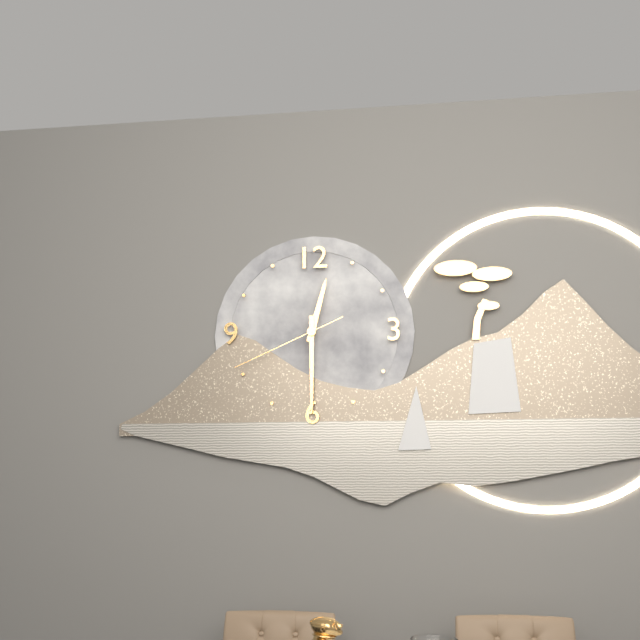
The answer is 12:30:41
